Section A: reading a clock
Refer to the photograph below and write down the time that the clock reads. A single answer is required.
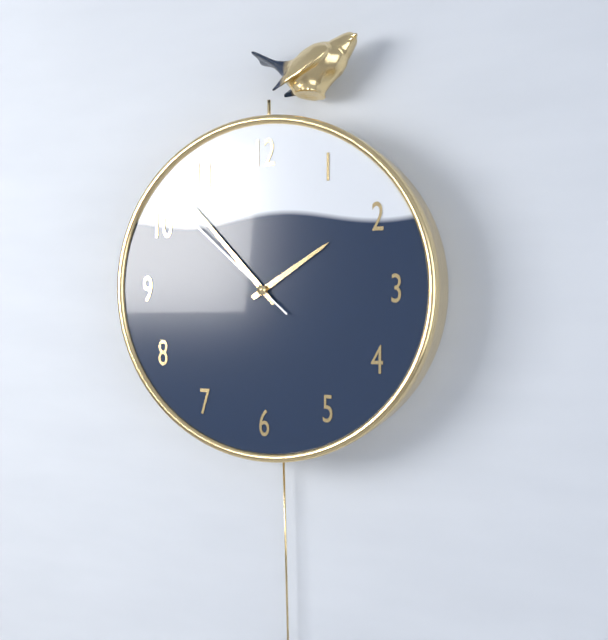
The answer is 1:53:52
